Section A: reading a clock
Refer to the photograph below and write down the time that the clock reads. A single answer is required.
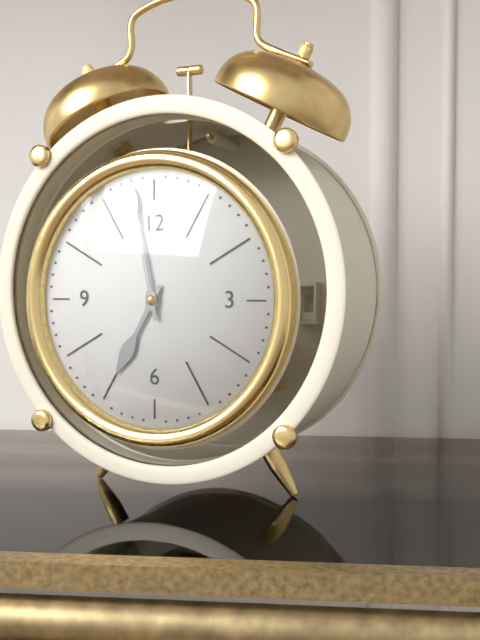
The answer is 6:58
